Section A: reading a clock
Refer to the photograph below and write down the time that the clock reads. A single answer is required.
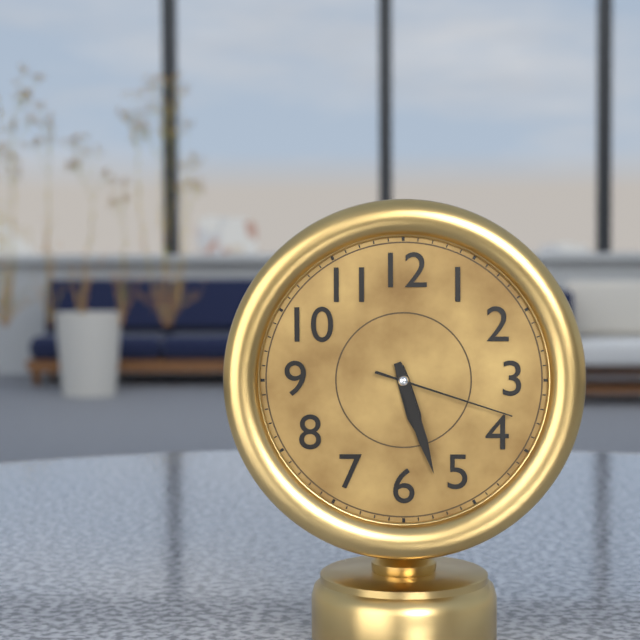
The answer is 5:27:18
